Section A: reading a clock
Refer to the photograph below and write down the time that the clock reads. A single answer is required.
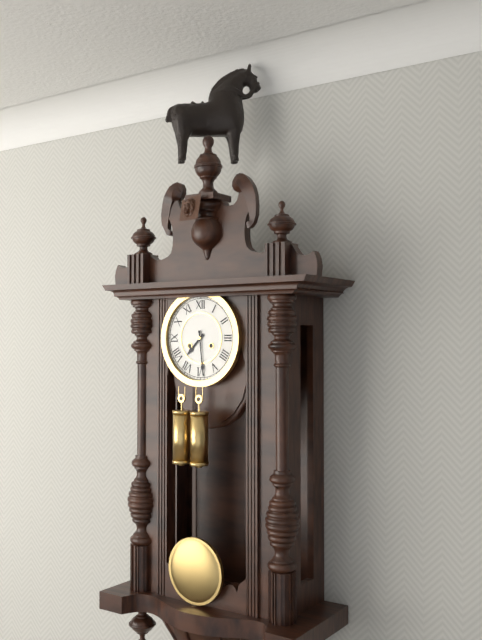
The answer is 7:29
